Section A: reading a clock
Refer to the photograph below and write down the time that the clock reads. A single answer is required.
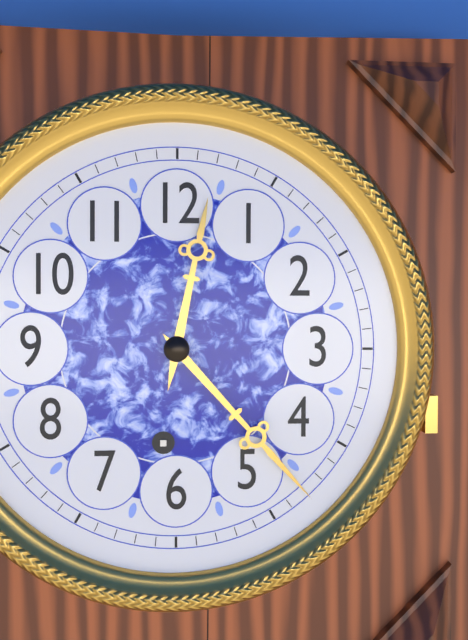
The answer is 12:23
